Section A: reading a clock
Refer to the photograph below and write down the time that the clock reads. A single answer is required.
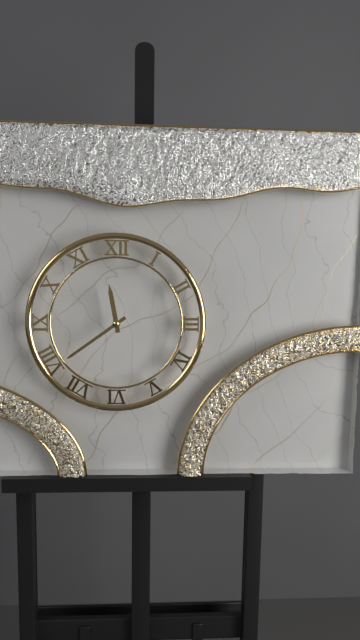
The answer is 11:39
